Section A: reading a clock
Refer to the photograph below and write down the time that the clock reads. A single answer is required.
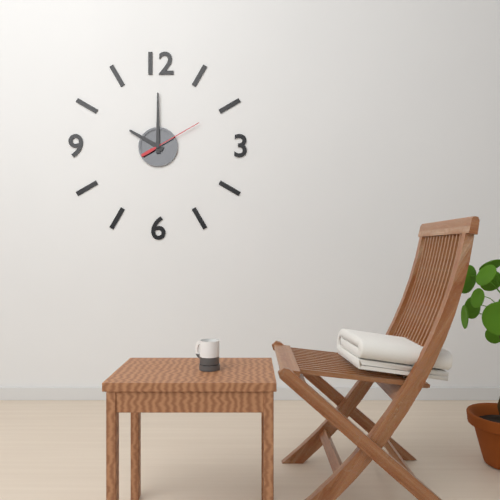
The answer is 10:00:10
